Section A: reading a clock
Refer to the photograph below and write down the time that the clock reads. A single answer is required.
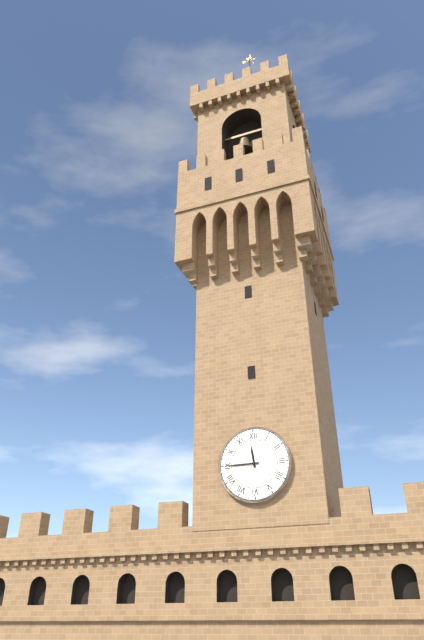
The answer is 11:45
